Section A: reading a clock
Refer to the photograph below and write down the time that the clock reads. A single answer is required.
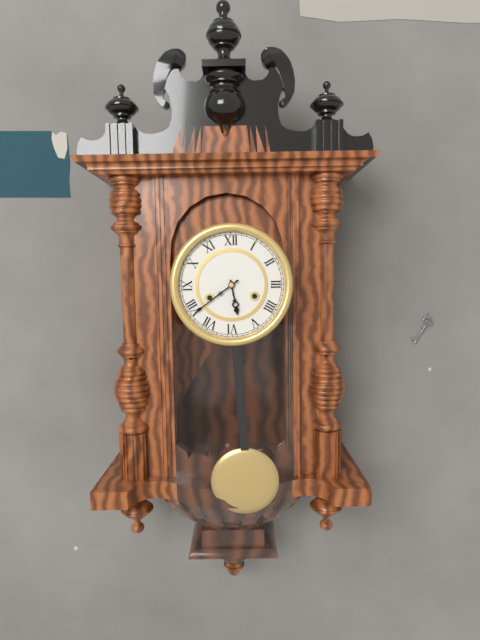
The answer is 5:39
